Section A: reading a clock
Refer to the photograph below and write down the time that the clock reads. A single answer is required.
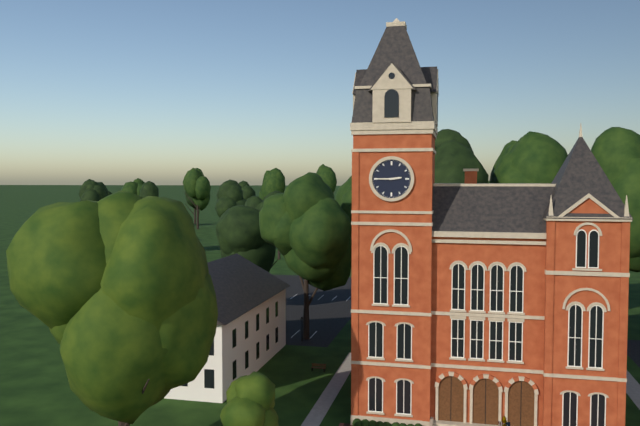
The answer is 2:45
